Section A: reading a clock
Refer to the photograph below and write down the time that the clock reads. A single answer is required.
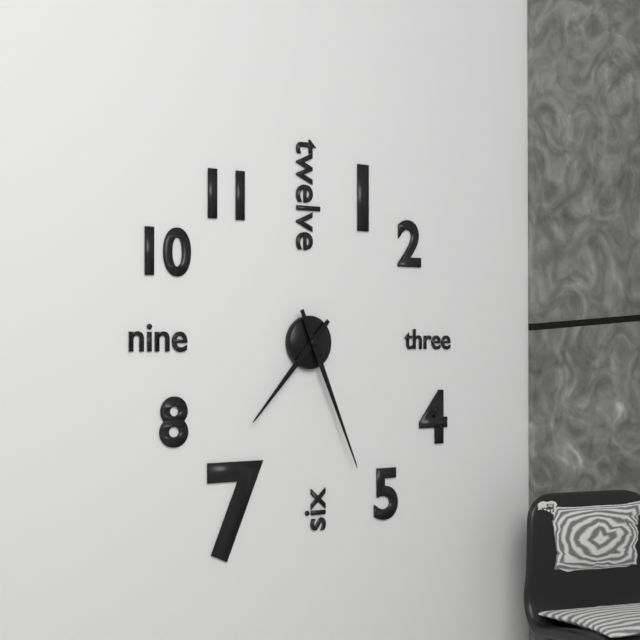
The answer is 7:26
